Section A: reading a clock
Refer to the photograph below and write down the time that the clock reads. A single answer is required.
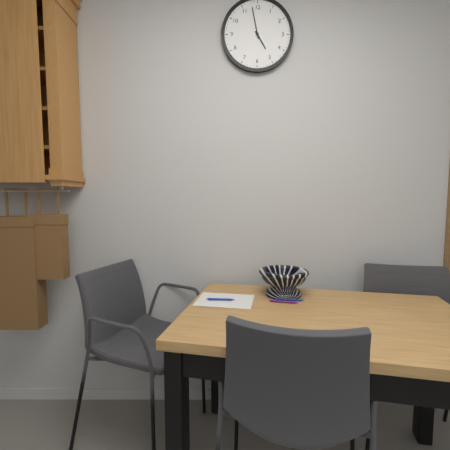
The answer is 4:58
